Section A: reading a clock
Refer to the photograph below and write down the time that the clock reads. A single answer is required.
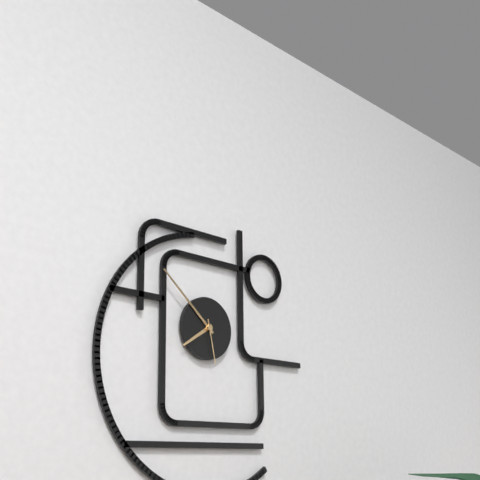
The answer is 7:52
